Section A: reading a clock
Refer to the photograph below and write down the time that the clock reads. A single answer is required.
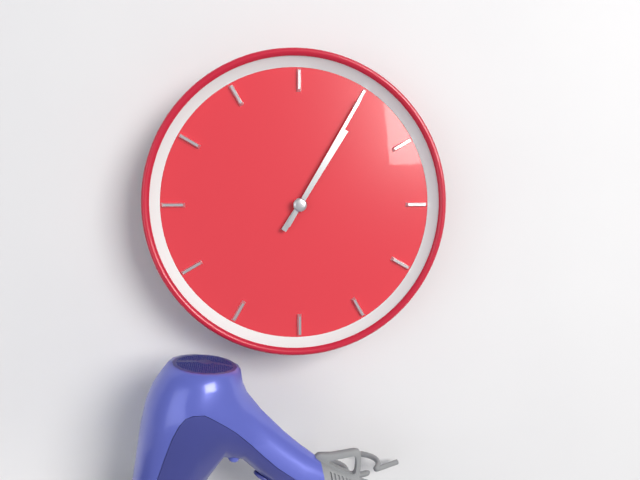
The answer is 1:05
